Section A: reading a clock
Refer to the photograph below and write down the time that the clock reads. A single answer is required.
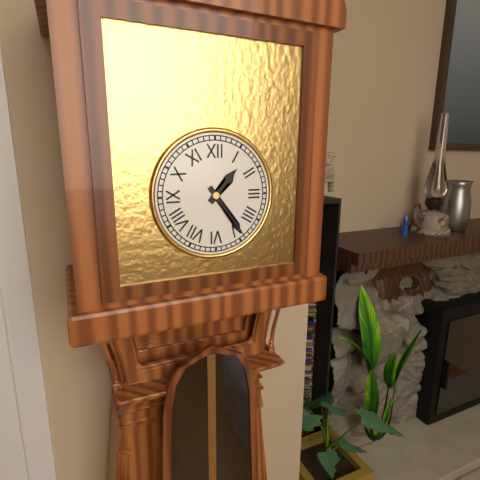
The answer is 1:24
